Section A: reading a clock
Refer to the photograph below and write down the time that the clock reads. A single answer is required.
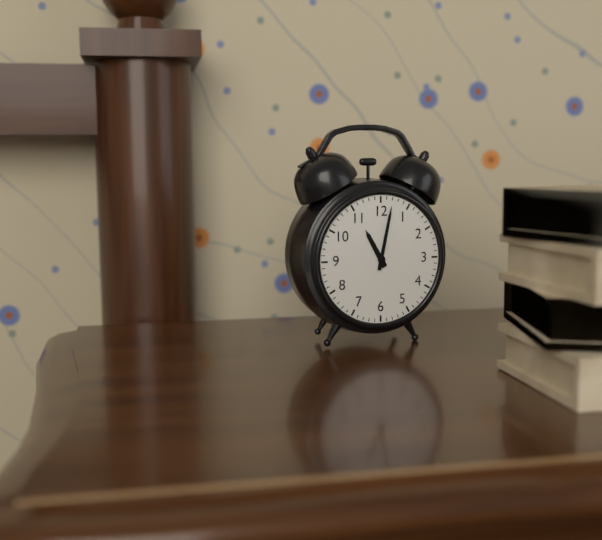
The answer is 11:02
